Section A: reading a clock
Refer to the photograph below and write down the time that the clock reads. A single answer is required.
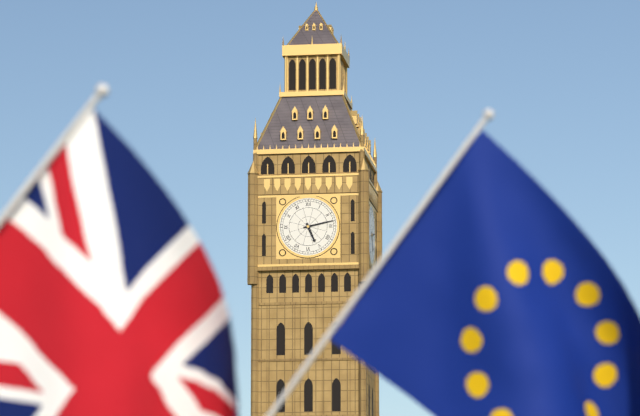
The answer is 5:13
